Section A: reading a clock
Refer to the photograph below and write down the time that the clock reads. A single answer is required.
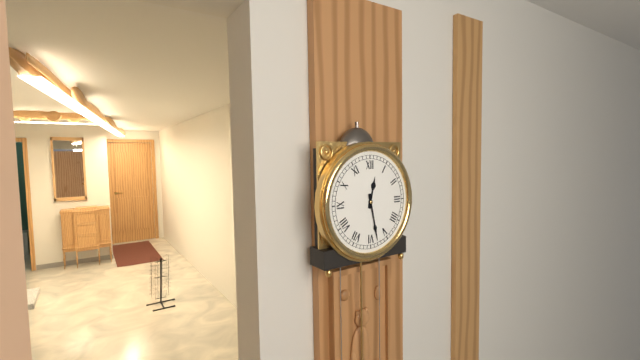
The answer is 12:28
